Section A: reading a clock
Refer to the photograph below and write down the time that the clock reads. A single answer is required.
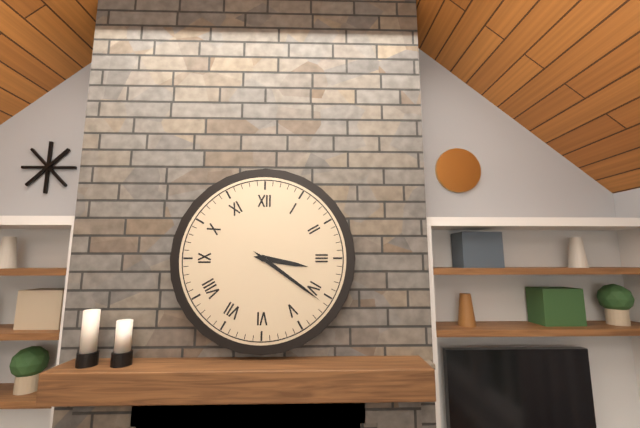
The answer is 3:21
